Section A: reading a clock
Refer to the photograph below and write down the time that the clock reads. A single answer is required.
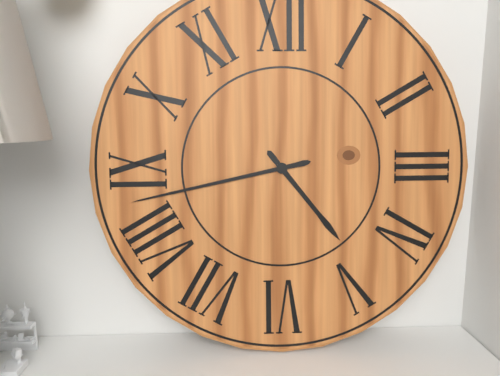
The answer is 4:43
